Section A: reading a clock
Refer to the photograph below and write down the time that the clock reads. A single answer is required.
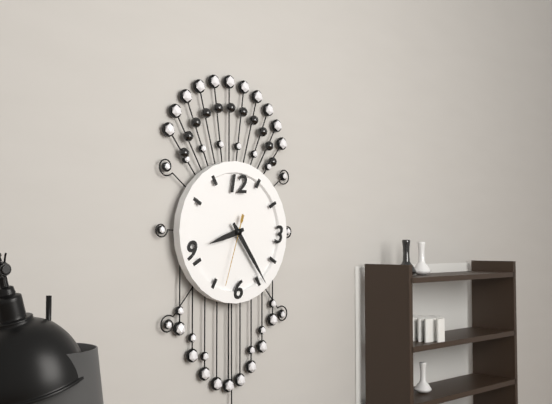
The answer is 8:24:33
